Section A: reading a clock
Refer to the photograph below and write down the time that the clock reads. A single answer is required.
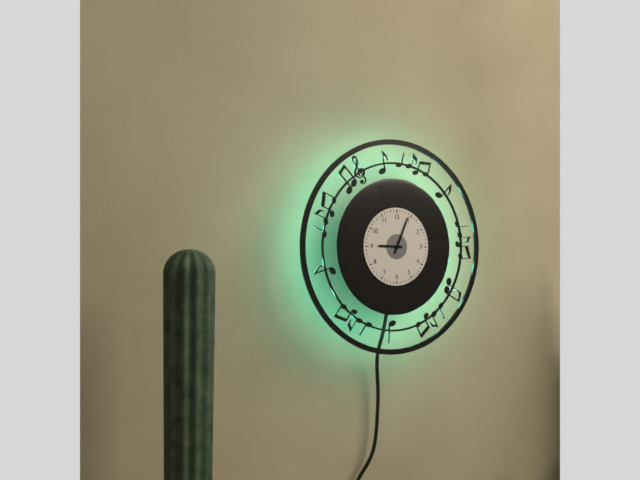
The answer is 9:04
